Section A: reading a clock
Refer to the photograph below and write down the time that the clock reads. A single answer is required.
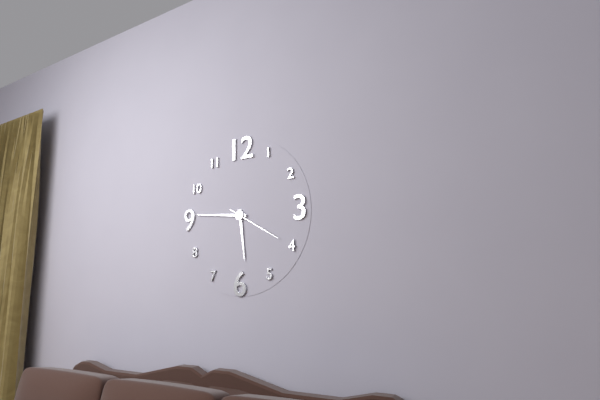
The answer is 5:46:20
